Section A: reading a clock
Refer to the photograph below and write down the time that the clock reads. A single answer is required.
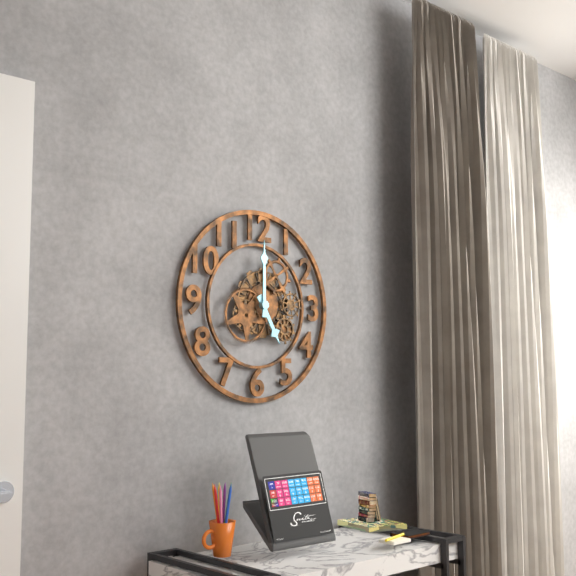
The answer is 5:00
